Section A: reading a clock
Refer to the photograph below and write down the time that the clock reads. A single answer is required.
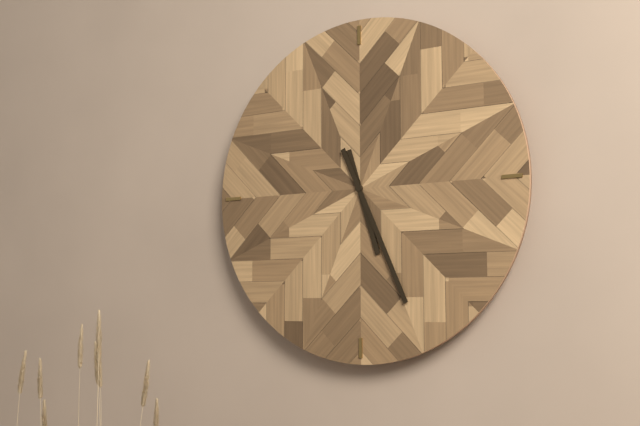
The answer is 5:26
